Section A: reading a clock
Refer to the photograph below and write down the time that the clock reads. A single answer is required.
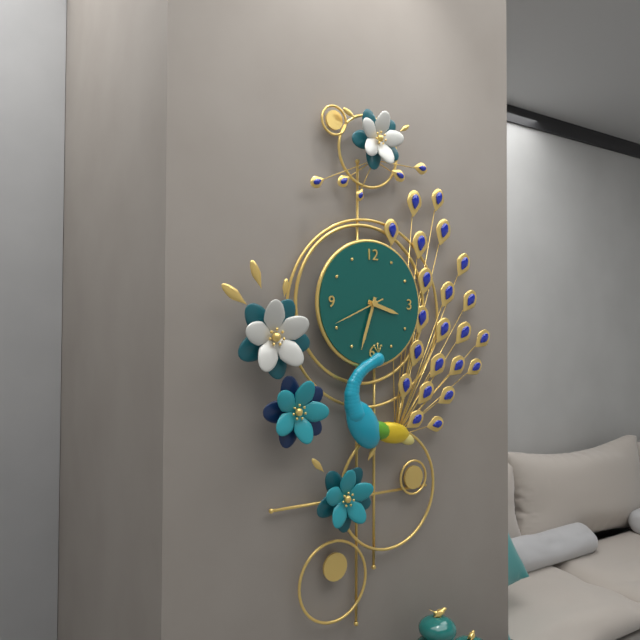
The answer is 3:33:41
